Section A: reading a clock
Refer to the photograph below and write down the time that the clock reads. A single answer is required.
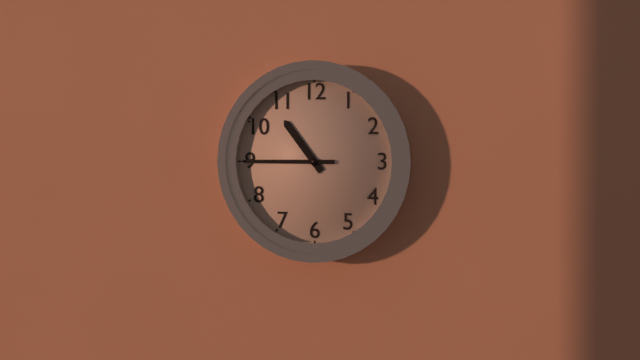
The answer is 10:45
